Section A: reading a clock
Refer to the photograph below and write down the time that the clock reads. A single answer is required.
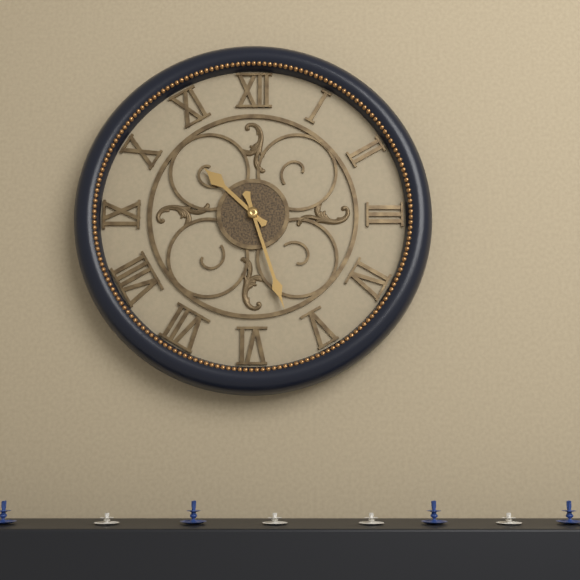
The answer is 10:27
